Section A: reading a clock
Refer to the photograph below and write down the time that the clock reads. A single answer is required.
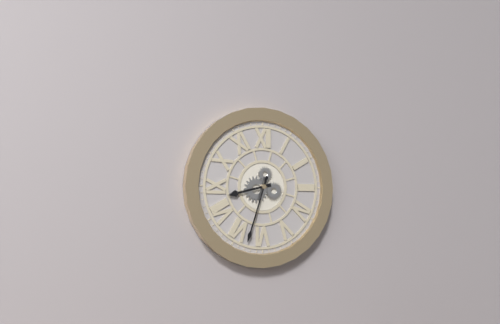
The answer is 8:33
